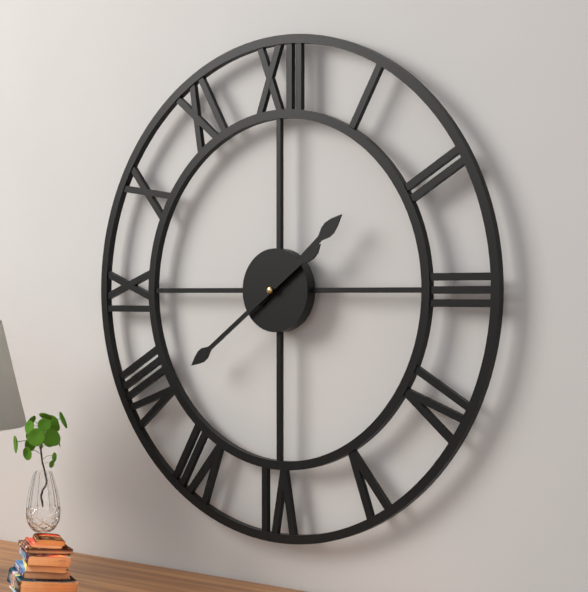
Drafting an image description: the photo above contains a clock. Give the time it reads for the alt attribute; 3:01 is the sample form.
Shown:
1:39
